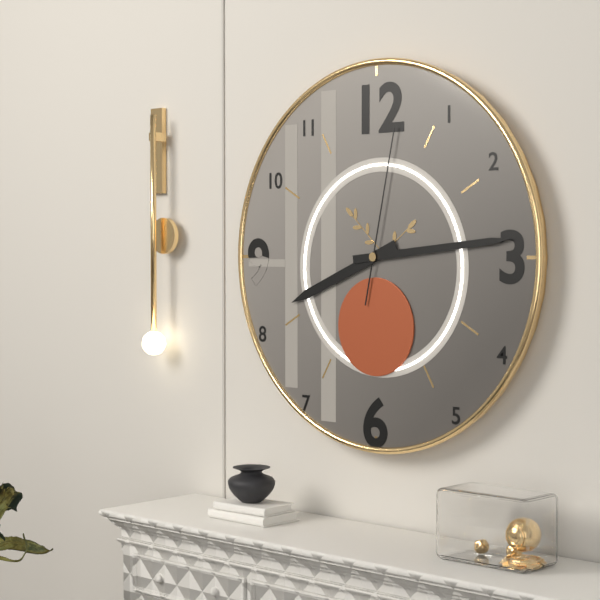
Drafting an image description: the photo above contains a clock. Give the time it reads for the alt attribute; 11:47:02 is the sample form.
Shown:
8:14:02
